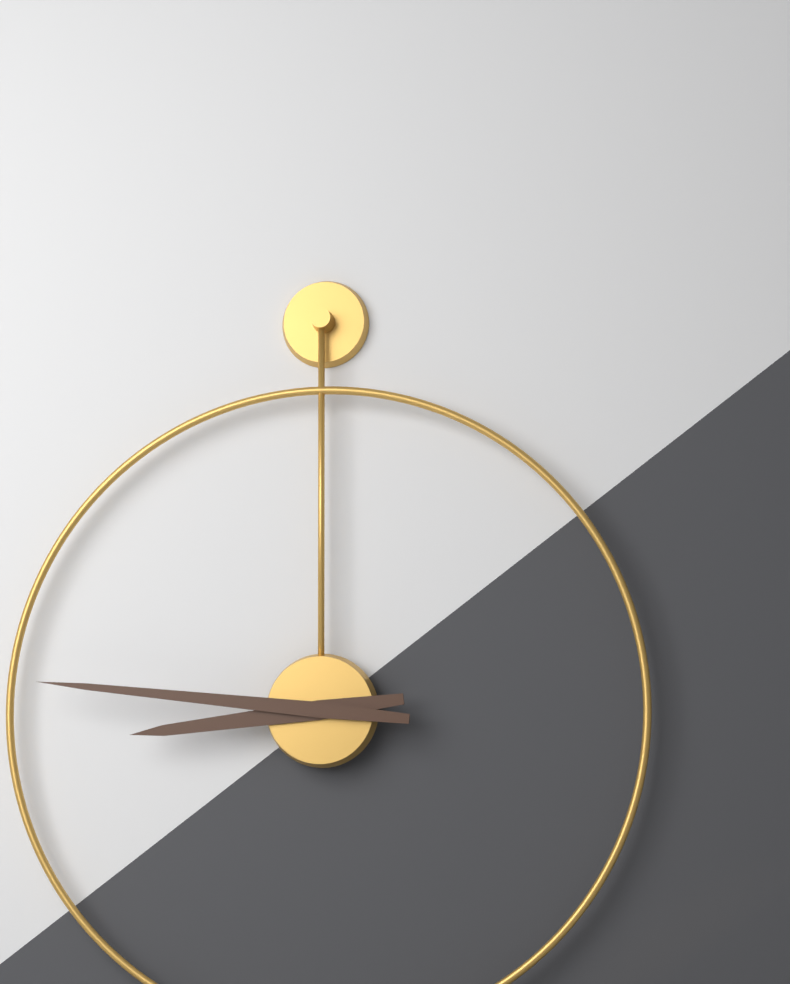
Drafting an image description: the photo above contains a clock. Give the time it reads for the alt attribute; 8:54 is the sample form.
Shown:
8:46
